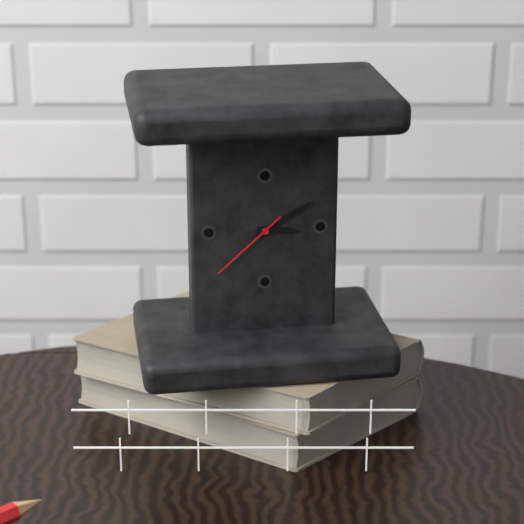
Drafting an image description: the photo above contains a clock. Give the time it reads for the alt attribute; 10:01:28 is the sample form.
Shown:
3:10:38
